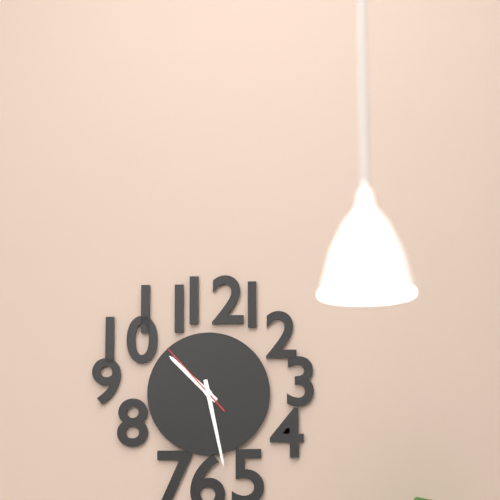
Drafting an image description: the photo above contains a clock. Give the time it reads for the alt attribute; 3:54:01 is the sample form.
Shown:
10:28:53
